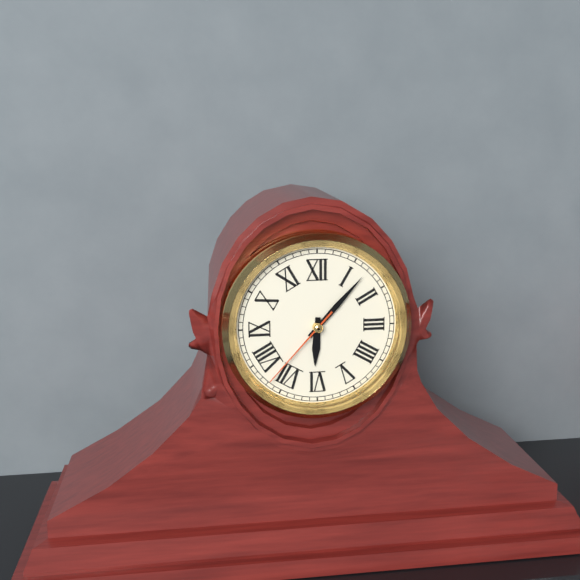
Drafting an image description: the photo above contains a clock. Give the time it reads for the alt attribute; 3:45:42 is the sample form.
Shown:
6:07:37
